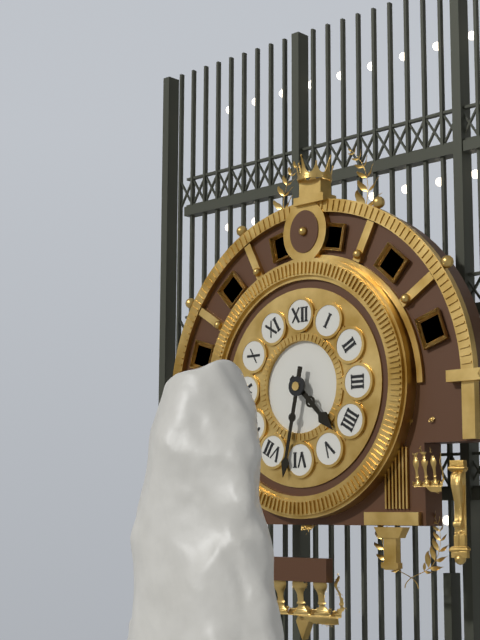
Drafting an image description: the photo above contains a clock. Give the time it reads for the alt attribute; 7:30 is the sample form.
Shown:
4:32
